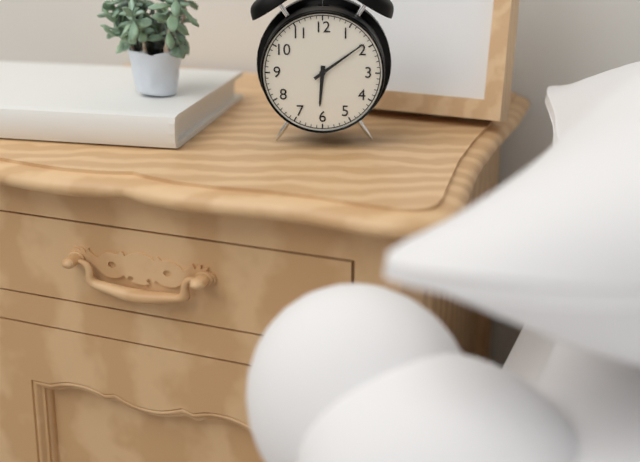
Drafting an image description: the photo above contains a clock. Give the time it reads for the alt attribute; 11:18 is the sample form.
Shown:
6:09
